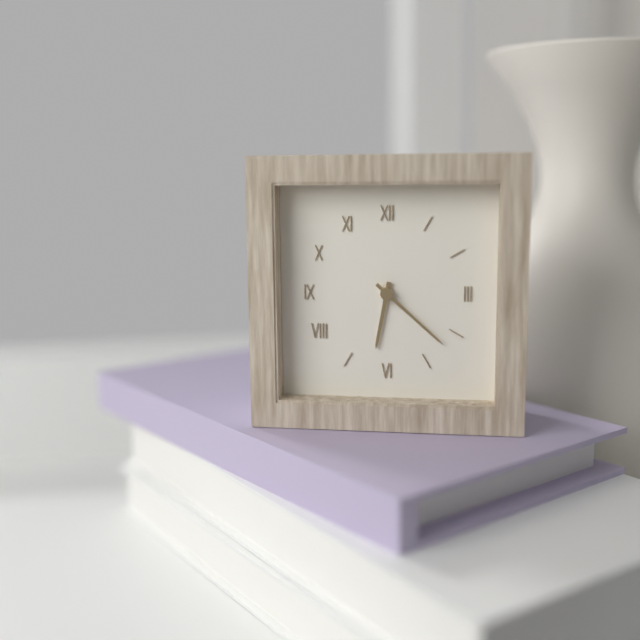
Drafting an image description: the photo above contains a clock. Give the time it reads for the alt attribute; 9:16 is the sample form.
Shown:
6:22
